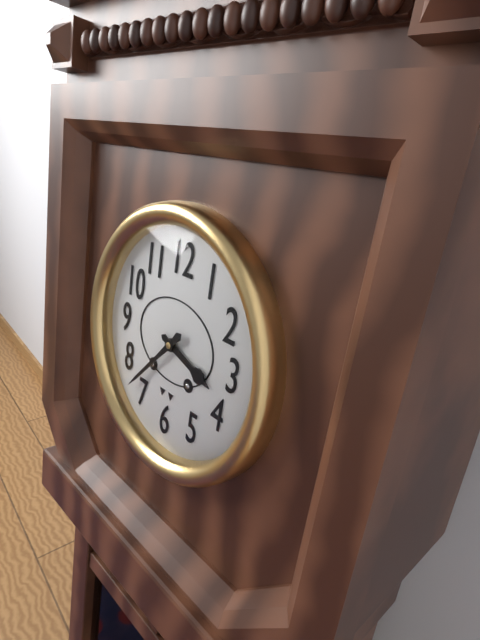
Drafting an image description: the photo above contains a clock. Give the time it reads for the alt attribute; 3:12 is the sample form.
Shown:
3:37
